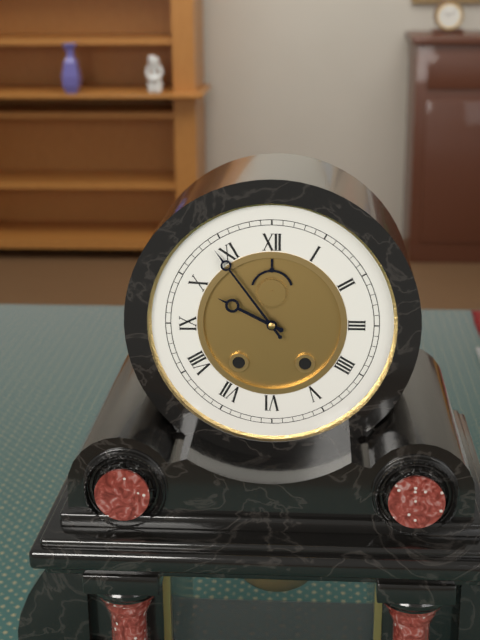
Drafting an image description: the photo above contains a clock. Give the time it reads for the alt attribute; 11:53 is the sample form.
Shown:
9:54
